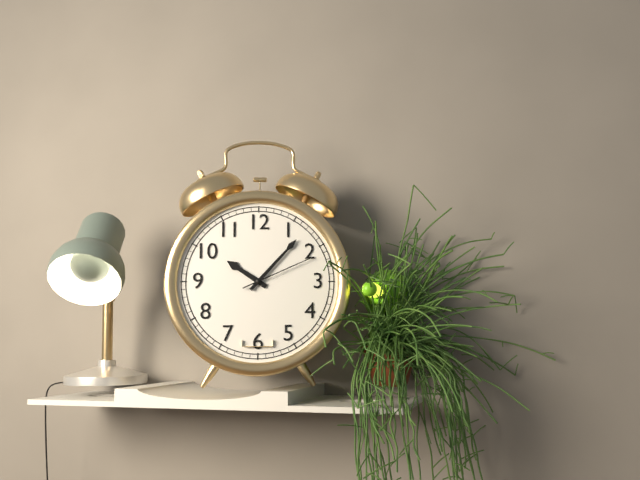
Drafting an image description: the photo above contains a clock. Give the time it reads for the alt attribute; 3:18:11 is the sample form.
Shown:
10:07:11
